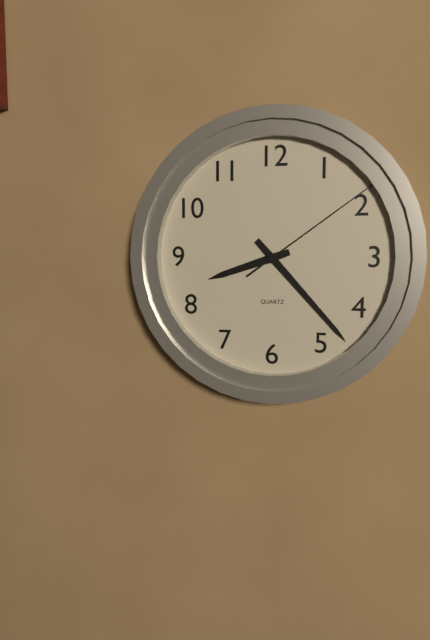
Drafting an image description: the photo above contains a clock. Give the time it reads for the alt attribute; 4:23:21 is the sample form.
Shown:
8:23:09
